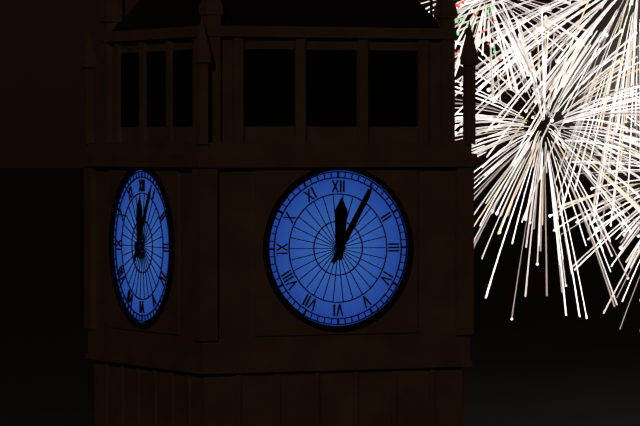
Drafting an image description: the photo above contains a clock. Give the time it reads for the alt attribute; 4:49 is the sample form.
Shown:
12:05
